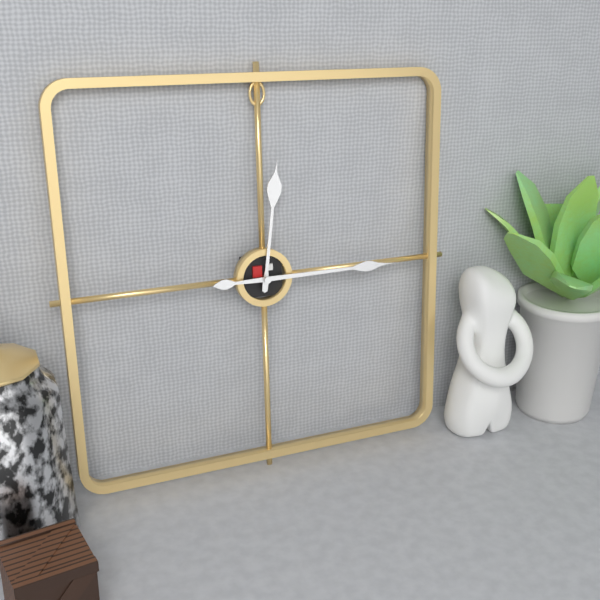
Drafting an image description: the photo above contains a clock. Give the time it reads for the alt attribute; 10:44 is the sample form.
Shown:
12:15
